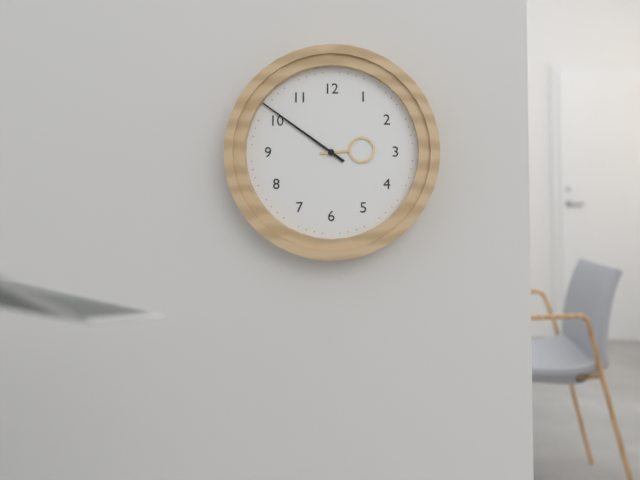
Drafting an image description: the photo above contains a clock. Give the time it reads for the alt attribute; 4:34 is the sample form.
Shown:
2:51
